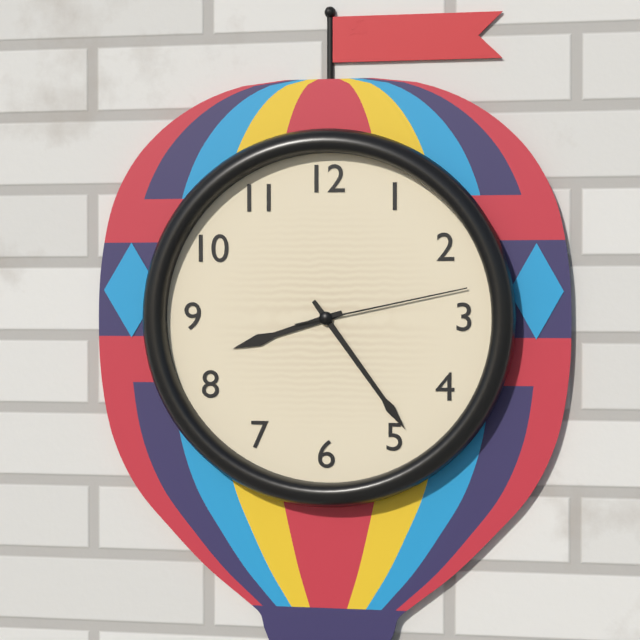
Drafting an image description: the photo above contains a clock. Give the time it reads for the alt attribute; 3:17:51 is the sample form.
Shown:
8:24:13
